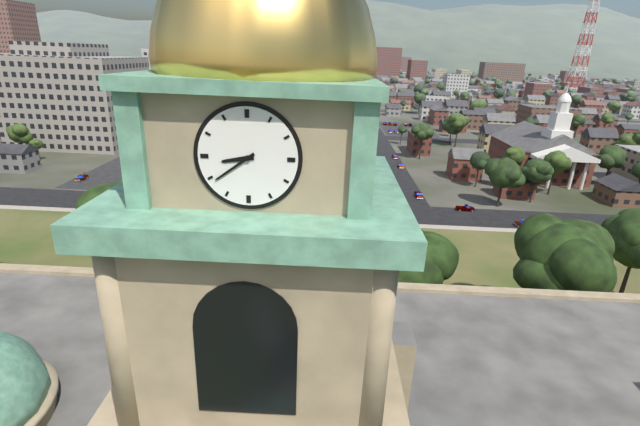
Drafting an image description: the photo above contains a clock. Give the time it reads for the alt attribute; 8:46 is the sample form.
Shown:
8:39
